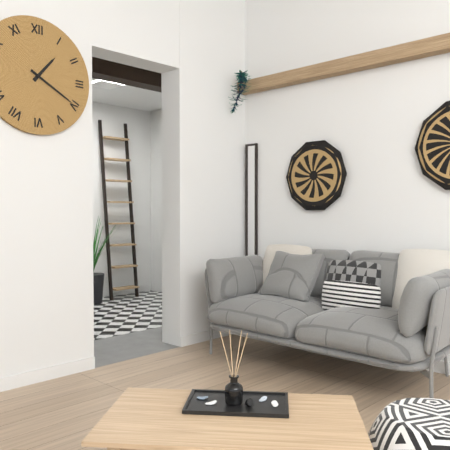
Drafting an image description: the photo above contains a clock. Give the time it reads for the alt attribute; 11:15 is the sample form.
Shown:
1:20
